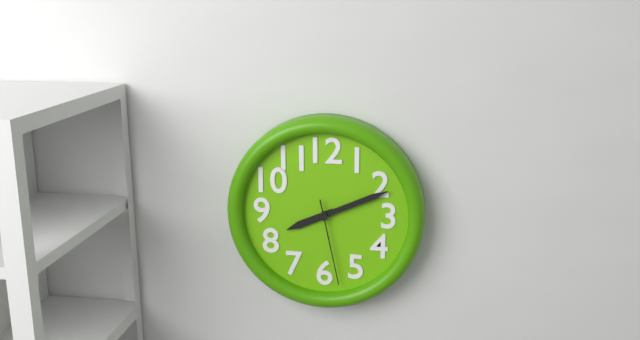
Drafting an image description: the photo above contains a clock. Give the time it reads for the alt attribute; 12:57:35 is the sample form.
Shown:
8:11:28
